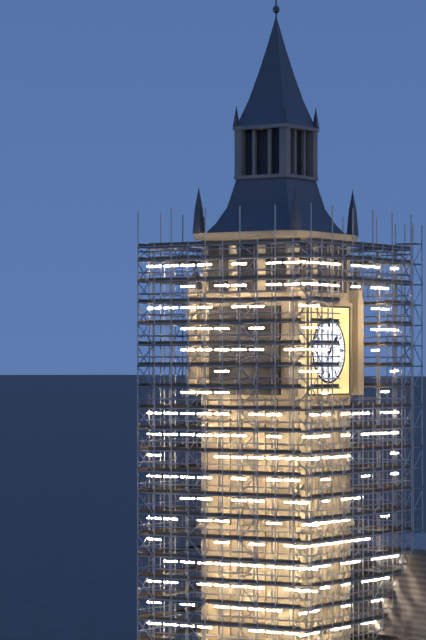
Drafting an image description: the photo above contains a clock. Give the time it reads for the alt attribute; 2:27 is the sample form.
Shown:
1:36
